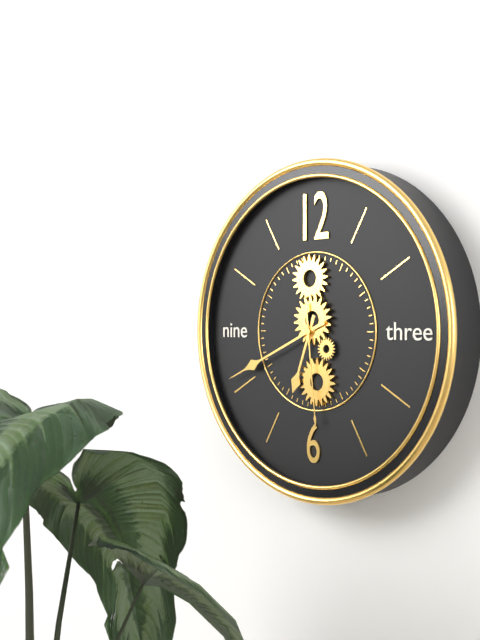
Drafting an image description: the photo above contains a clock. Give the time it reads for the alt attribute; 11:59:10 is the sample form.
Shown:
6:41:29
